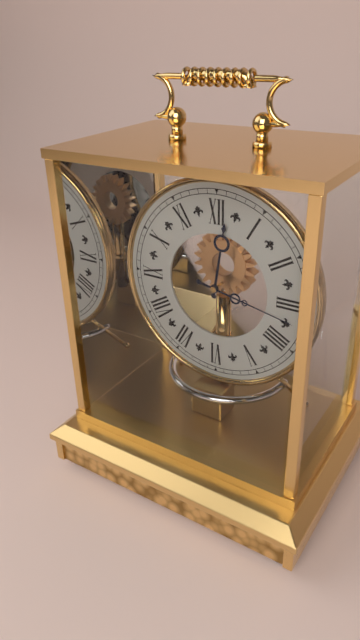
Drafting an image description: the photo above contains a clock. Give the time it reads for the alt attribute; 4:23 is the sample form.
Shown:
12:17
